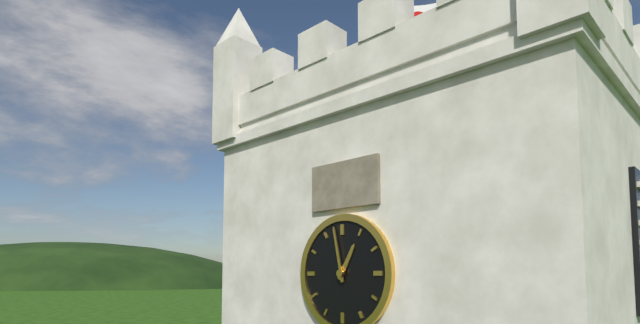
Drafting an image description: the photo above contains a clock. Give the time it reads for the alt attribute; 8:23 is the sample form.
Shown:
12:58
